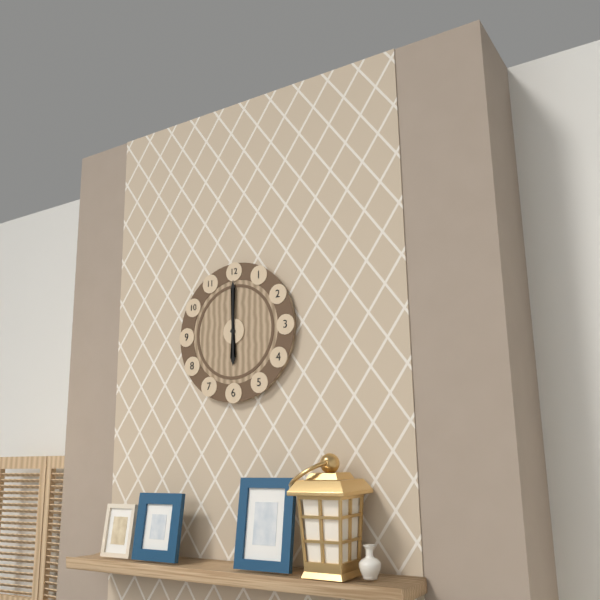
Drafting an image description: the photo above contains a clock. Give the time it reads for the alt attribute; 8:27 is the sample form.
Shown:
6:00
